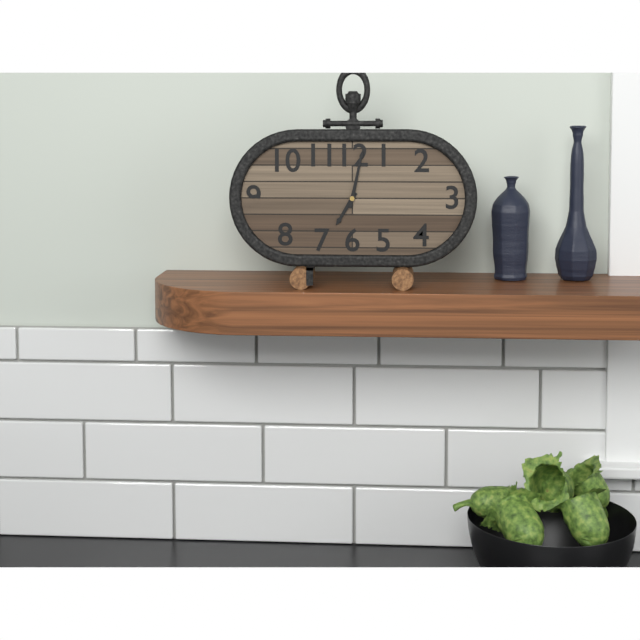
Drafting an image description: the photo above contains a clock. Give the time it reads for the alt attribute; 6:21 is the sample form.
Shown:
7:02
